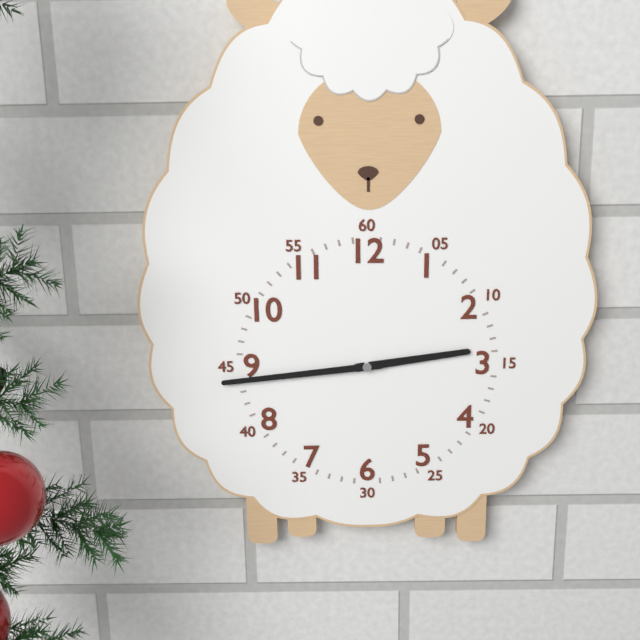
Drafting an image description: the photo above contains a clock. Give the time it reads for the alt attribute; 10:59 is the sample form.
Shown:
2:44
